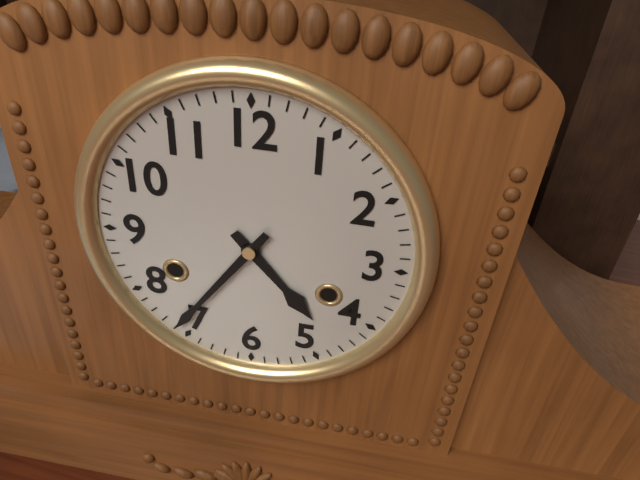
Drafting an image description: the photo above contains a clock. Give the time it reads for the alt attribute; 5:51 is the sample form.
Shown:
4:36
